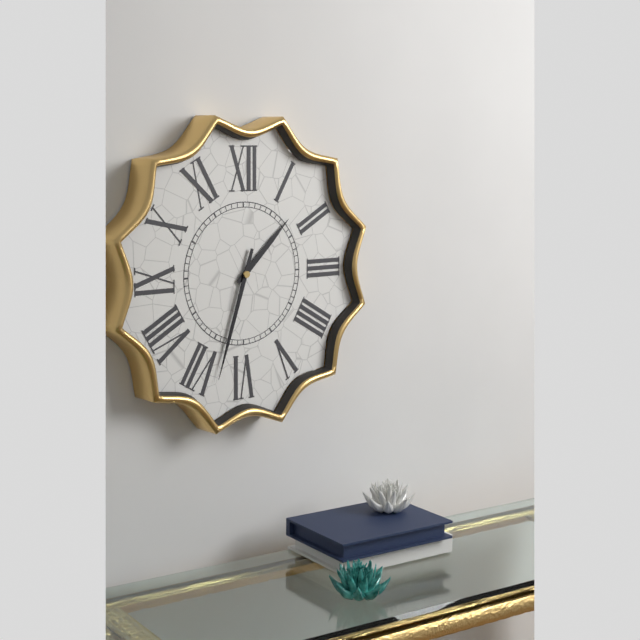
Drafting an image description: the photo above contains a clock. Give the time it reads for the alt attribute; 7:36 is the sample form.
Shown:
1:33
